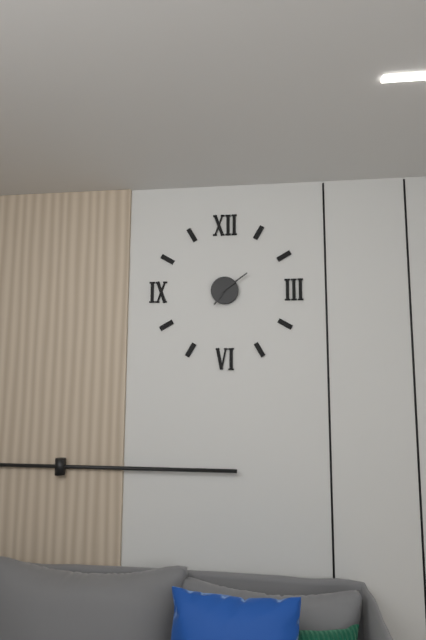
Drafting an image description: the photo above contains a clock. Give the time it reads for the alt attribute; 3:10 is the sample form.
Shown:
7:09
